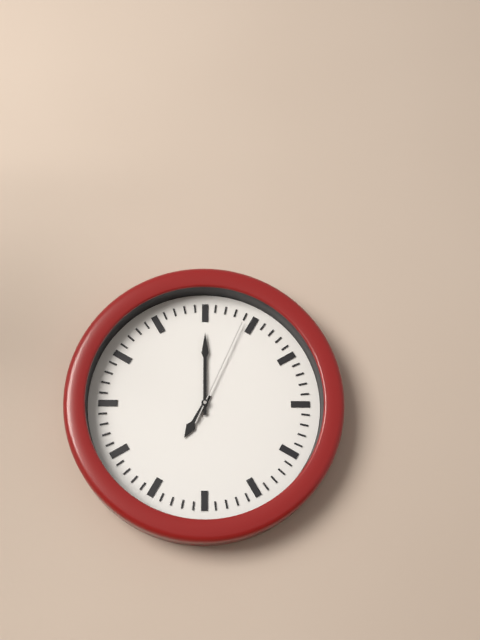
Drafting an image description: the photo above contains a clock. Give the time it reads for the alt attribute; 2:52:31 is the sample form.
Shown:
7:00:04
